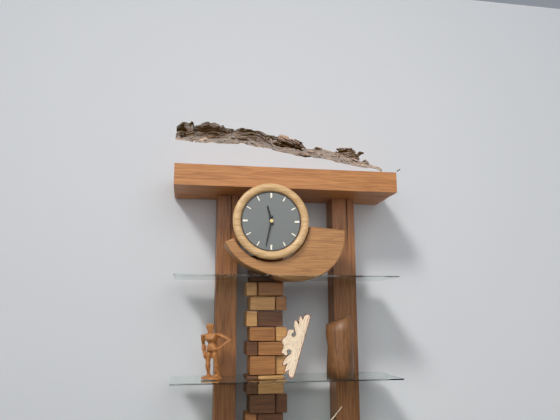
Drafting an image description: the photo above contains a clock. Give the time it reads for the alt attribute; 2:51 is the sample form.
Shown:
11:32
